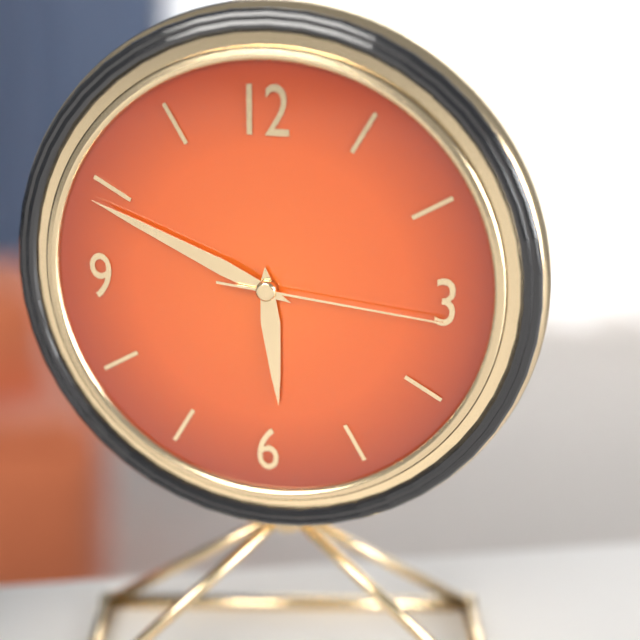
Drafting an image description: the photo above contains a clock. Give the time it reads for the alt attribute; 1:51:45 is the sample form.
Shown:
5:49:16
